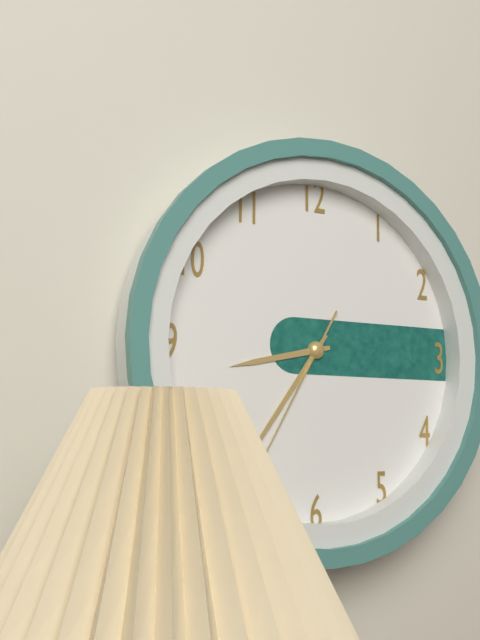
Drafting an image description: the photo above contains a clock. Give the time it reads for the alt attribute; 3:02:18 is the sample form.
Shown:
8:36:35
